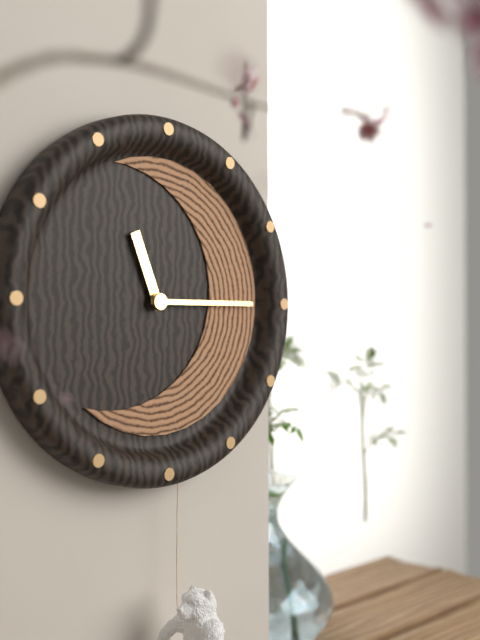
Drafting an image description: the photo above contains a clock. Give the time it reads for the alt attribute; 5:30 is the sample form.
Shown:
11:15
